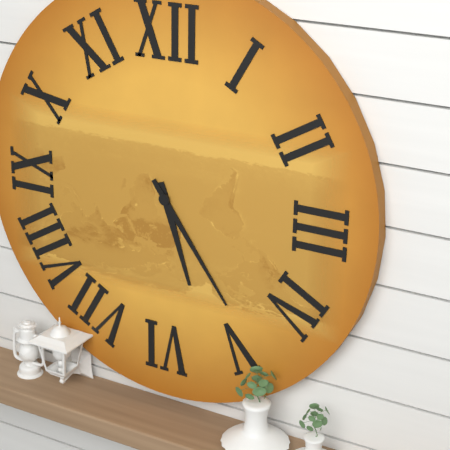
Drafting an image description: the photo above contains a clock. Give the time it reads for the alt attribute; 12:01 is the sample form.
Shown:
5:24
